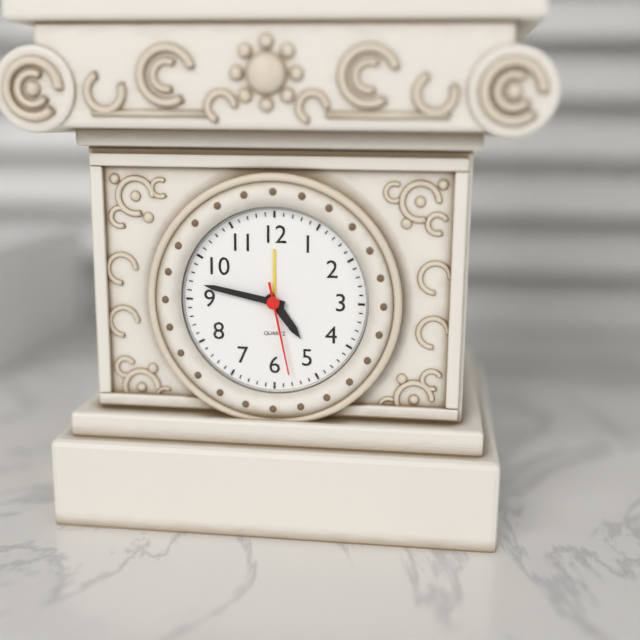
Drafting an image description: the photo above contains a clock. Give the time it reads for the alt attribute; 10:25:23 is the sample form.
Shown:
4:47:28
